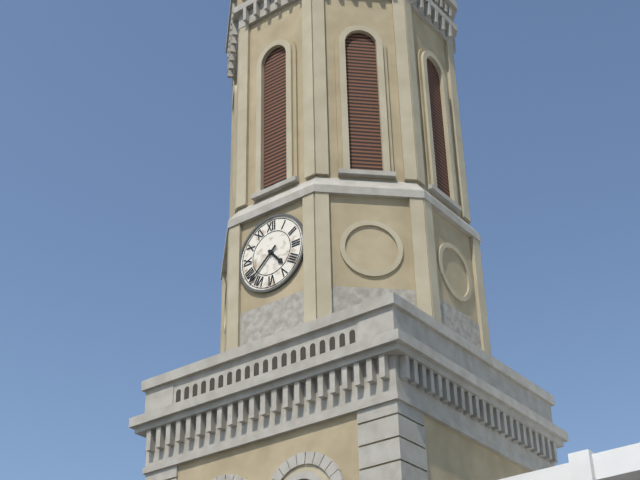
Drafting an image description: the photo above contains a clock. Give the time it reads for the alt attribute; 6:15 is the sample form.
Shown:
4:38
